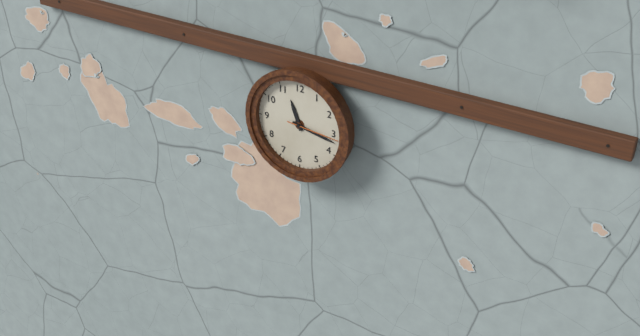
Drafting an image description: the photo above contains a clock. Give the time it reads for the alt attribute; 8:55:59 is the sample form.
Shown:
11:17:16
